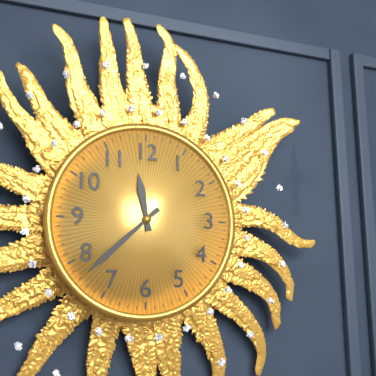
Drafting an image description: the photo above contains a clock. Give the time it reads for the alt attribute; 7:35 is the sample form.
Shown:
11:38
